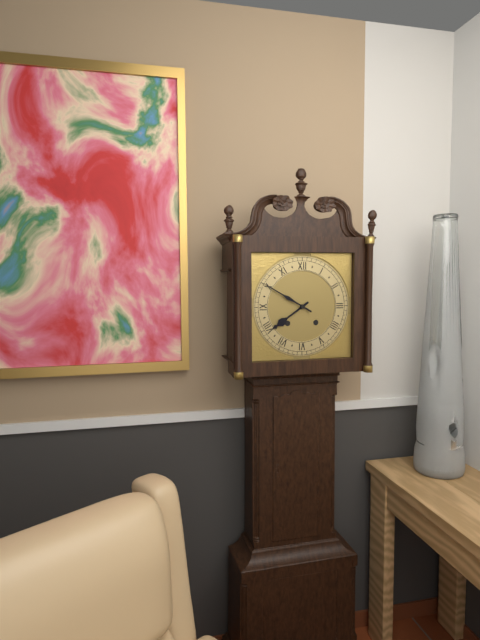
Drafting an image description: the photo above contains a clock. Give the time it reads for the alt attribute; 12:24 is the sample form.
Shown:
7:50
